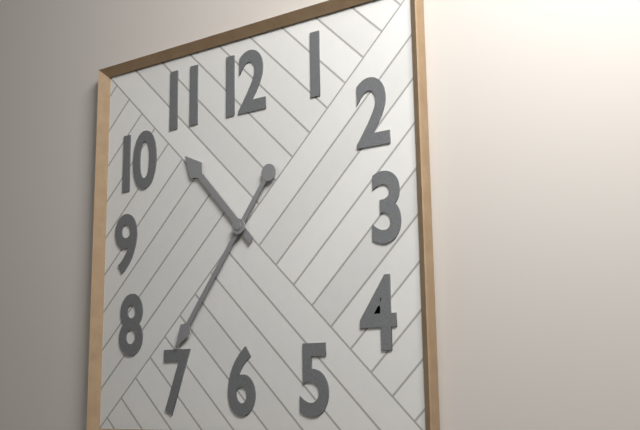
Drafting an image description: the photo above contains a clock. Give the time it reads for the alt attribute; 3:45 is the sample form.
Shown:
10:36
